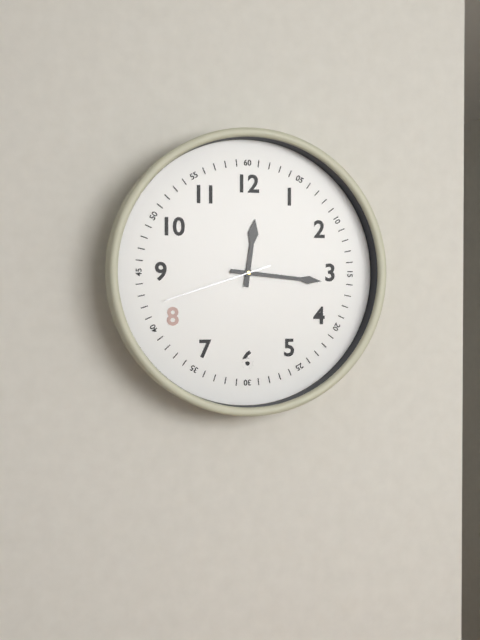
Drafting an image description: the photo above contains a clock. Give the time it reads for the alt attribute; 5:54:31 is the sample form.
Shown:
12:16:42
